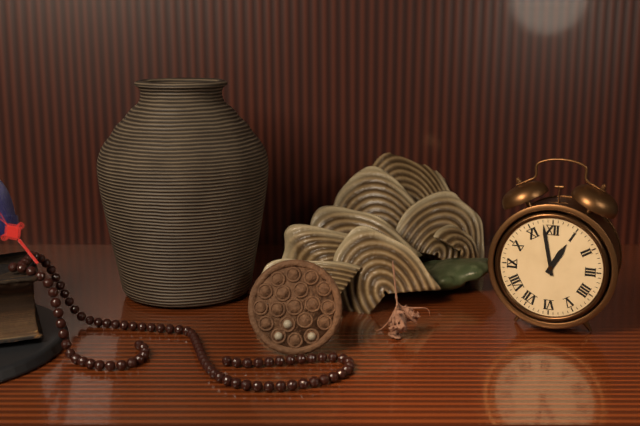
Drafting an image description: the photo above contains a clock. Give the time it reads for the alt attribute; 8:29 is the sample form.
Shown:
12:58
